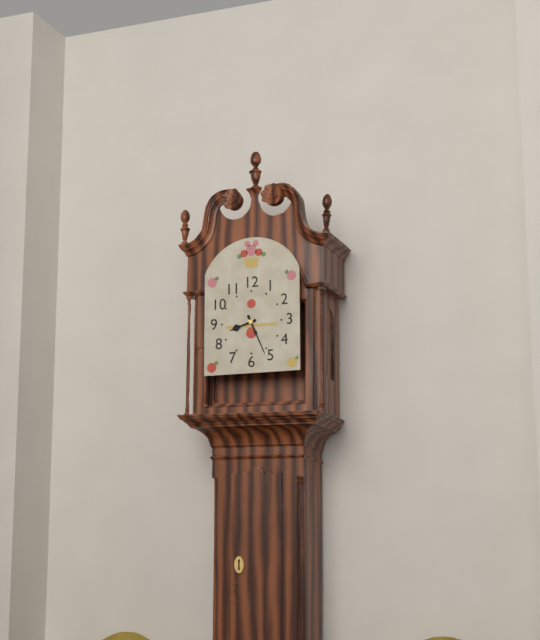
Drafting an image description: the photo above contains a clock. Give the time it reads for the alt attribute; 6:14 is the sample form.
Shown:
8:26
